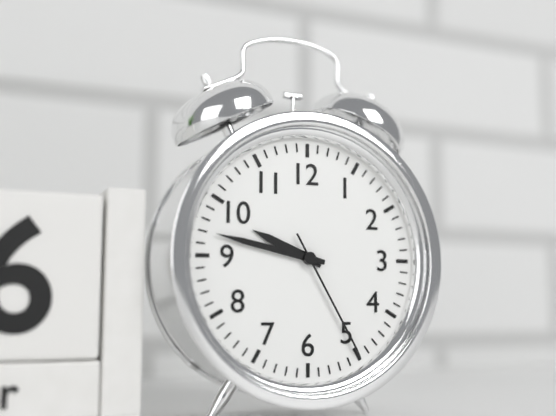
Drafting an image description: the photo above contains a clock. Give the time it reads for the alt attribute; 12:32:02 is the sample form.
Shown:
9:47:25
